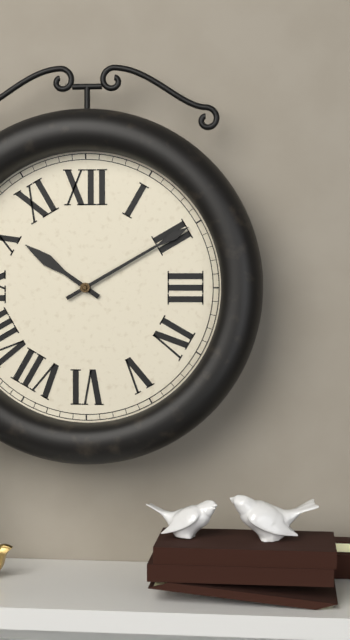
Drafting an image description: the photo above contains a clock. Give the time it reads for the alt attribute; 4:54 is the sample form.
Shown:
10:10
